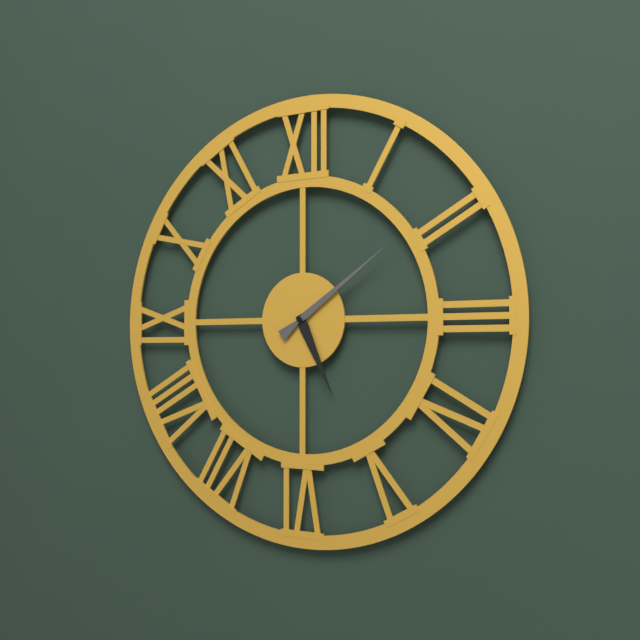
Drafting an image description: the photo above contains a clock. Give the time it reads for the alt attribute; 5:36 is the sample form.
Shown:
5:09
